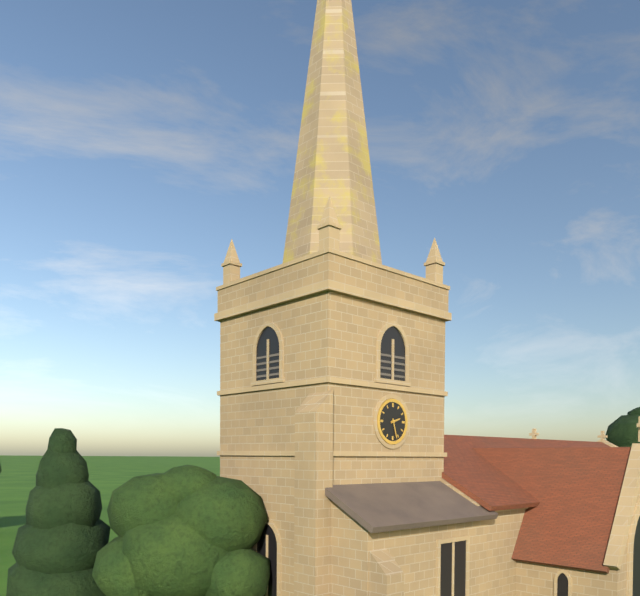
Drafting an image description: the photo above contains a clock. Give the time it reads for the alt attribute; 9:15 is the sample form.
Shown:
2:27
